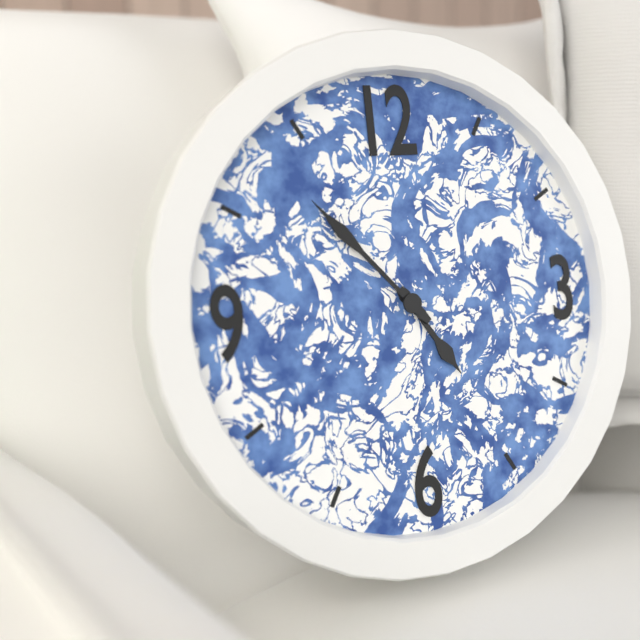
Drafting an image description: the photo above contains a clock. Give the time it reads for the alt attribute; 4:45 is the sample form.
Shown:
4:53
